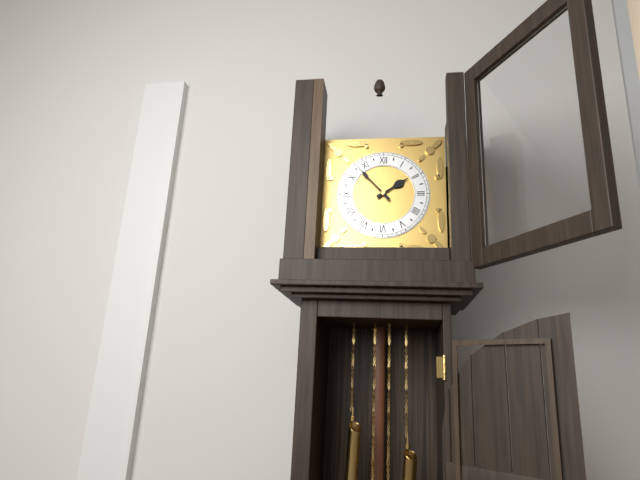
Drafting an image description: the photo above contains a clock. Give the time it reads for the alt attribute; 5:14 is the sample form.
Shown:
1:53
